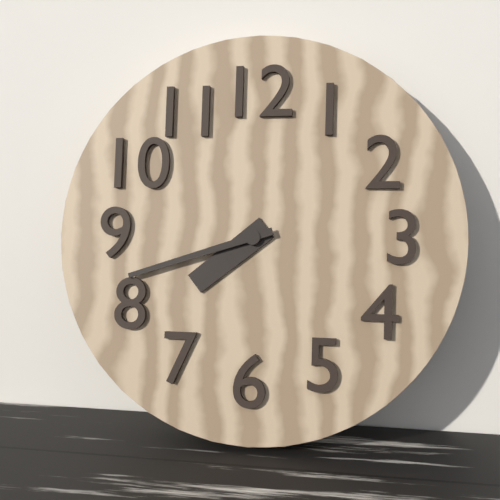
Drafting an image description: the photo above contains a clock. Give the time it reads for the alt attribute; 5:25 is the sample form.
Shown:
7:42
